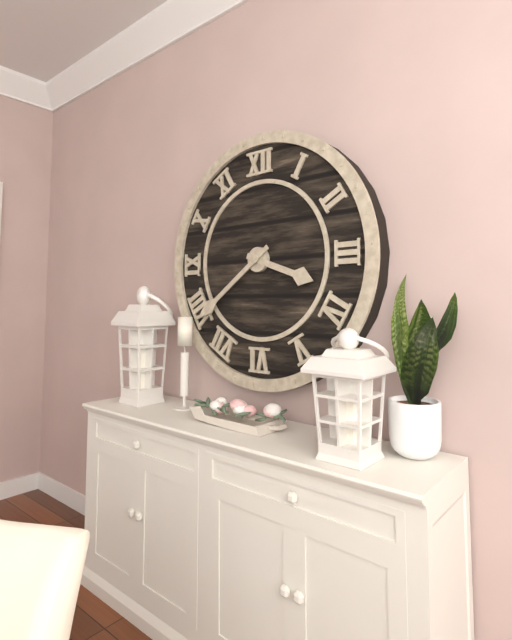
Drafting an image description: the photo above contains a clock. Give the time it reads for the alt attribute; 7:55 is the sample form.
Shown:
3:39
